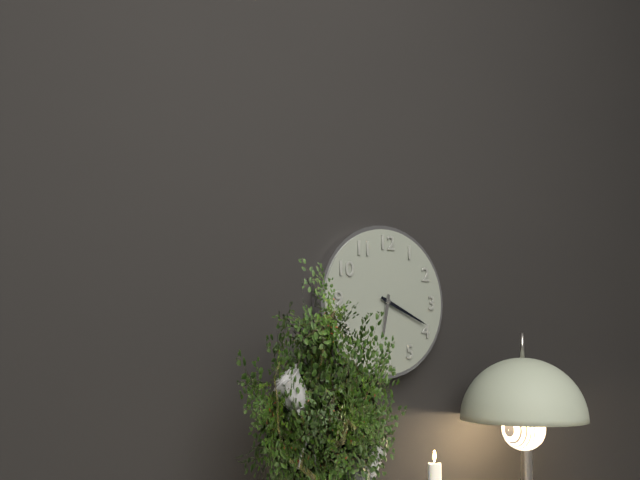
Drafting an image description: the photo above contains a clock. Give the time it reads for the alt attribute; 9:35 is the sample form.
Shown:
6:19
